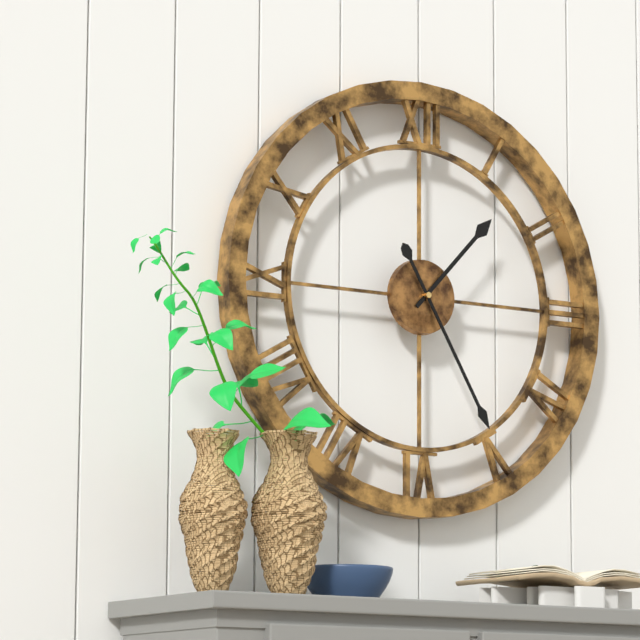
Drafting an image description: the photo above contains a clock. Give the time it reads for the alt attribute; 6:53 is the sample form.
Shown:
1:25
